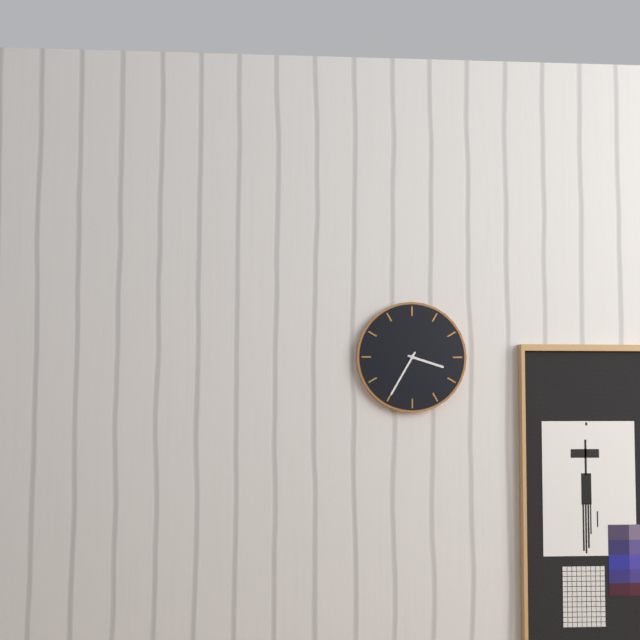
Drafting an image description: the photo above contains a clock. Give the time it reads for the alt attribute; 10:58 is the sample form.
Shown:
3:35
